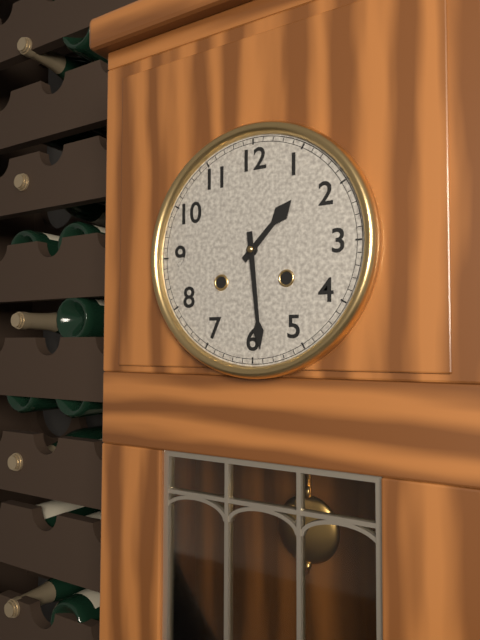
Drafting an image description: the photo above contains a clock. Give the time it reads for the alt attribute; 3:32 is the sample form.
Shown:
1:29
